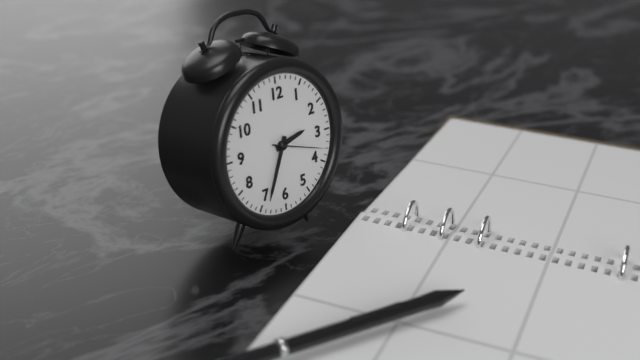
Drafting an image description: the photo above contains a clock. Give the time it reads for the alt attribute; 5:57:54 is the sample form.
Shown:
2:34:18
